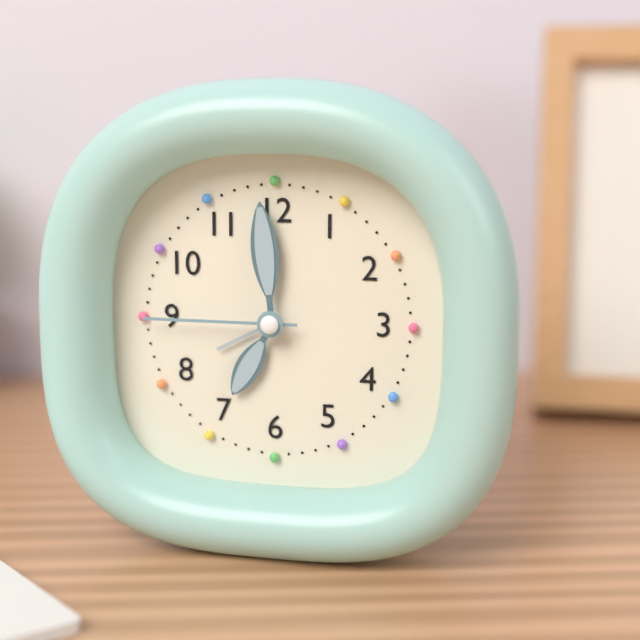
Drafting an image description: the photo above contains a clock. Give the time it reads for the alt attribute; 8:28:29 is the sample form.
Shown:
6:59:45
